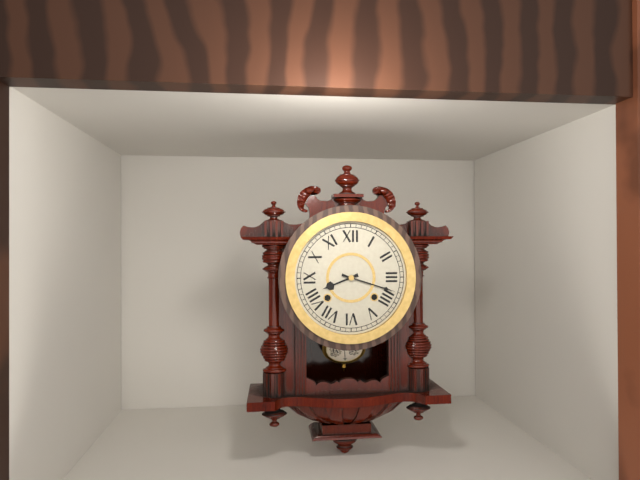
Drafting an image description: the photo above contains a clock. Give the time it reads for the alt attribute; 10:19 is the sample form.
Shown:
8:18
